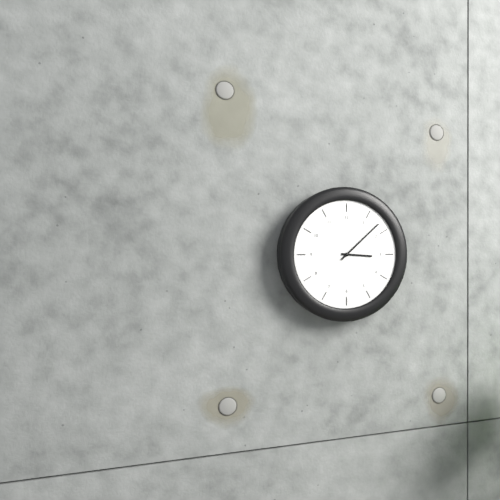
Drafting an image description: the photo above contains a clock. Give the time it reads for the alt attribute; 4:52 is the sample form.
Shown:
3:08
